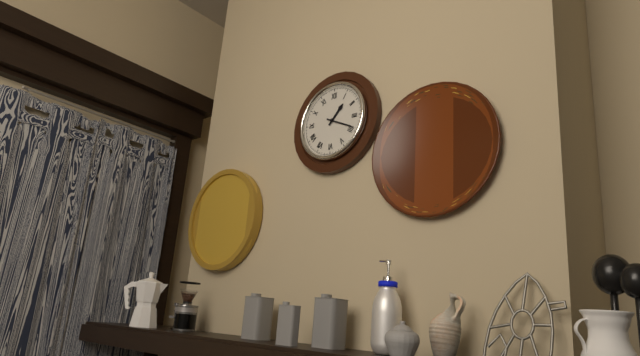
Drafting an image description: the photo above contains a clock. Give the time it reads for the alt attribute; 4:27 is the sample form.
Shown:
1:19
